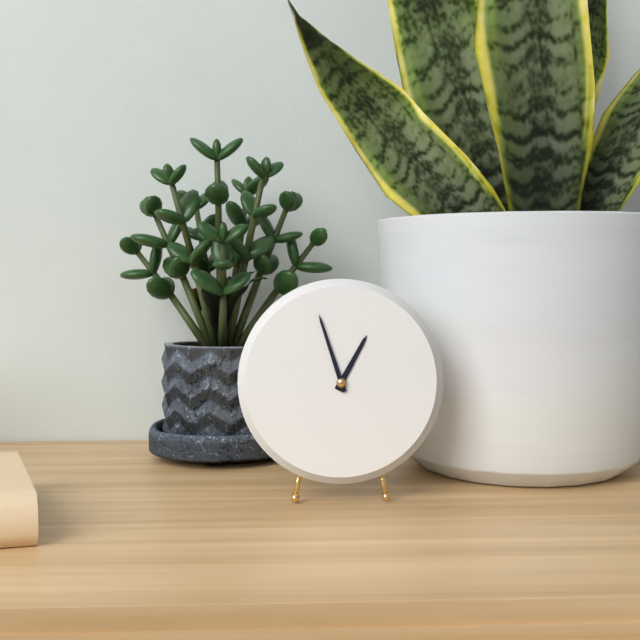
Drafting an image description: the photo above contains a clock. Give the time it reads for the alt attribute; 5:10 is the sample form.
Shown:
12:57
